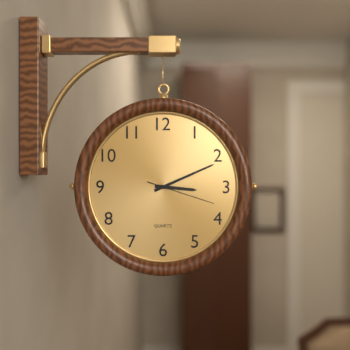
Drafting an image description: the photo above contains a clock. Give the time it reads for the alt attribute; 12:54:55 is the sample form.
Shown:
3:11:18
